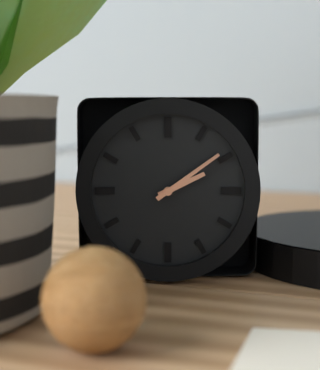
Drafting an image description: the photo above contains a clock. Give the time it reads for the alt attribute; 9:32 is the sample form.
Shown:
2:09
